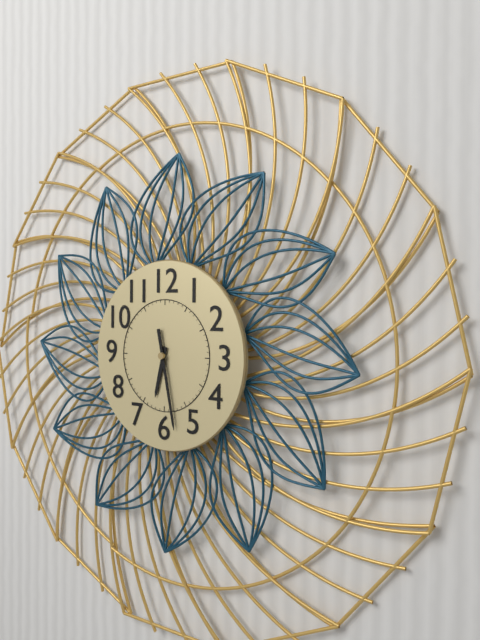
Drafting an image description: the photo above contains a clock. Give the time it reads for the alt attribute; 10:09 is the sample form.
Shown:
6:28
